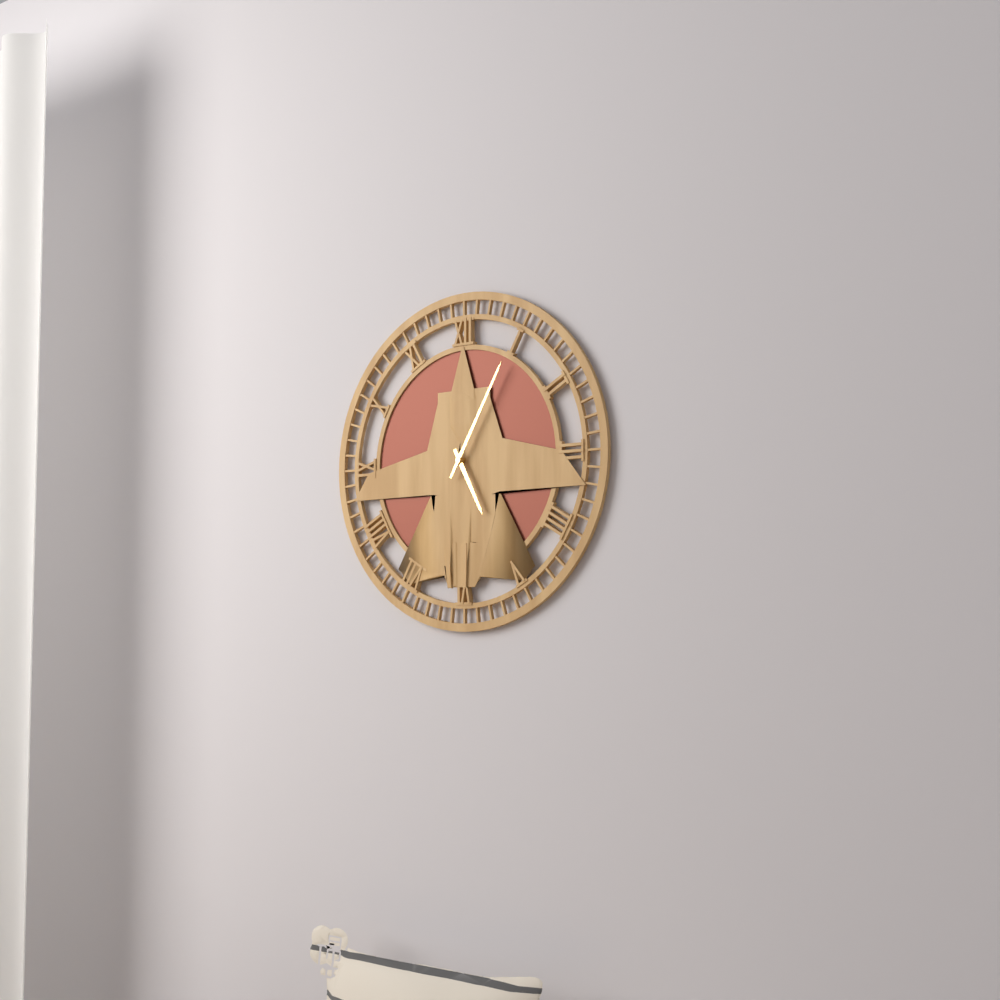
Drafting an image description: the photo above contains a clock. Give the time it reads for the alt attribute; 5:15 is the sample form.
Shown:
5:05
